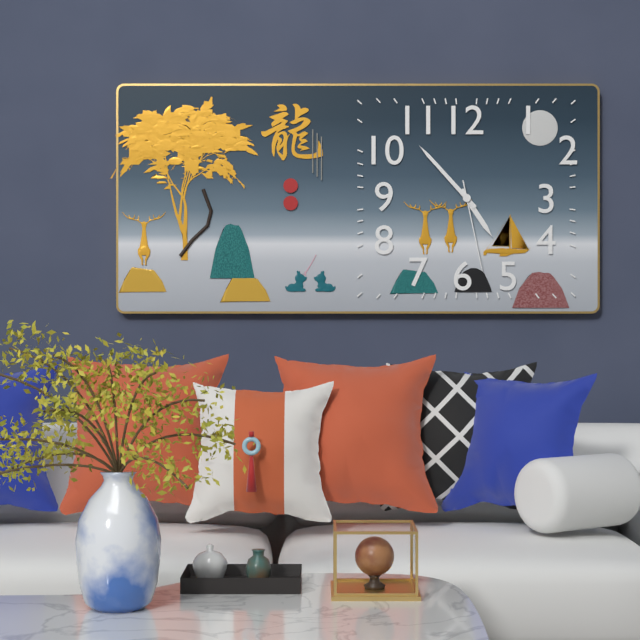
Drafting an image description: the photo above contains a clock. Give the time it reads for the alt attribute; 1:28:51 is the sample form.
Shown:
4:53:28
